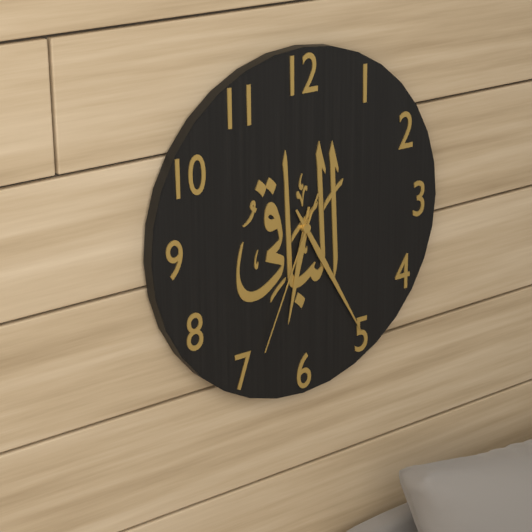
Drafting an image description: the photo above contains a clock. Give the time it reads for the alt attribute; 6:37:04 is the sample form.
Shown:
6:25:34
